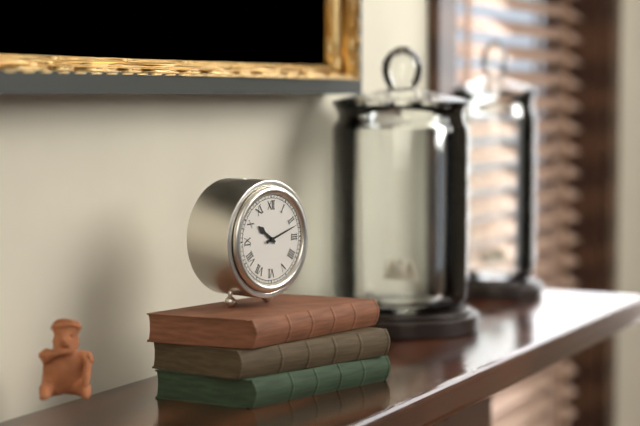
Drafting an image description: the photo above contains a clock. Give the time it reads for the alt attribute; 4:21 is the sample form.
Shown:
10:12
